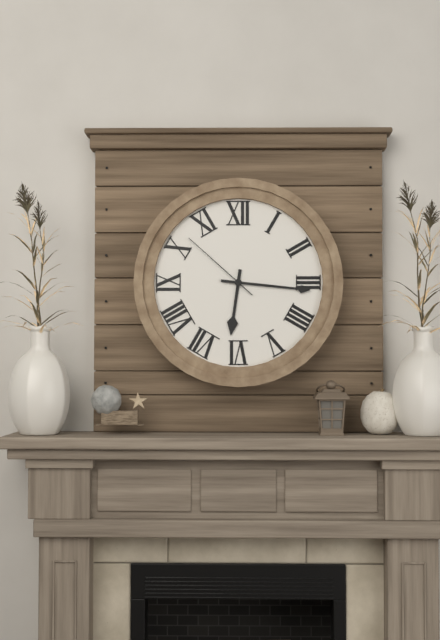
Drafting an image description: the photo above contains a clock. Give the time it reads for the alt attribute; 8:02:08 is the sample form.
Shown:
6:16:52
